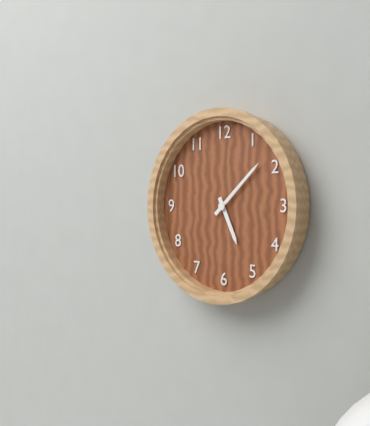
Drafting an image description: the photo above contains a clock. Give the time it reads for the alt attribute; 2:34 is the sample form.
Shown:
5:08
